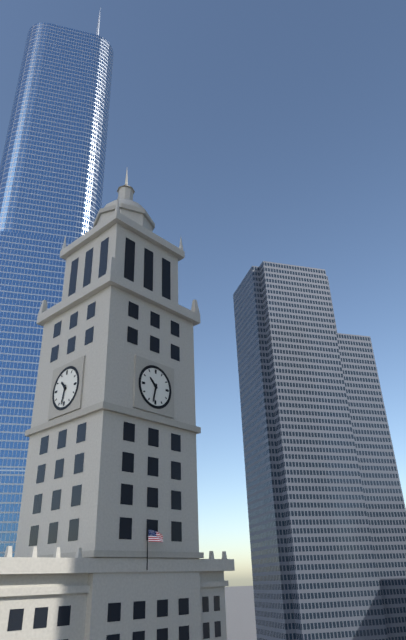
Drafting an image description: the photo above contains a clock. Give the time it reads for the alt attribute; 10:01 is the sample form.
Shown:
10:32
